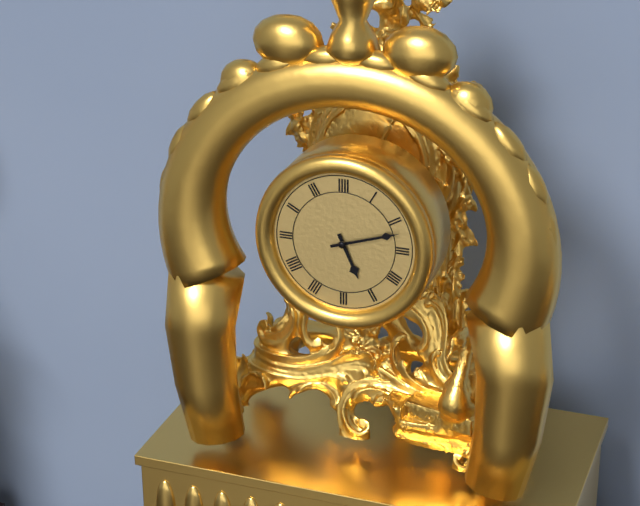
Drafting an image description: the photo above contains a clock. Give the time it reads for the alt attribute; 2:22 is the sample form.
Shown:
5:12
